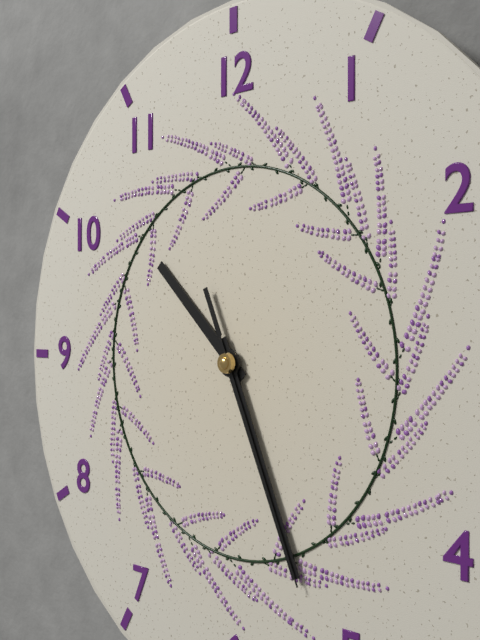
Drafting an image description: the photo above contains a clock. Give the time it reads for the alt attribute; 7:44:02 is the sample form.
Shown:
10:26:26
